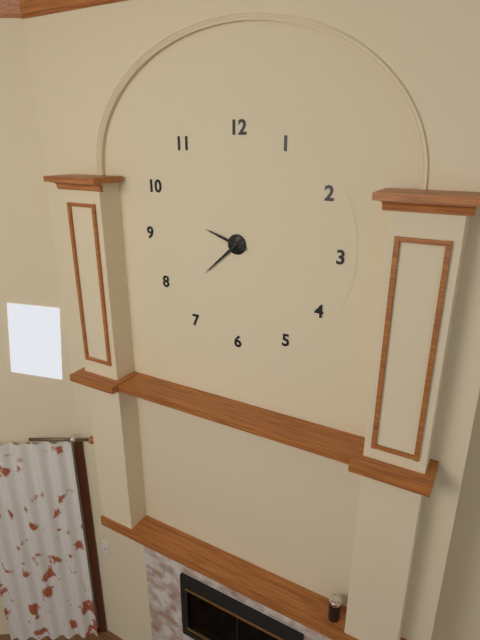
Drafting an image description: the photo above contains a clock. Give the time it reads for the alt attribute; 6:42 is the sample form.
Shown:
9:38
